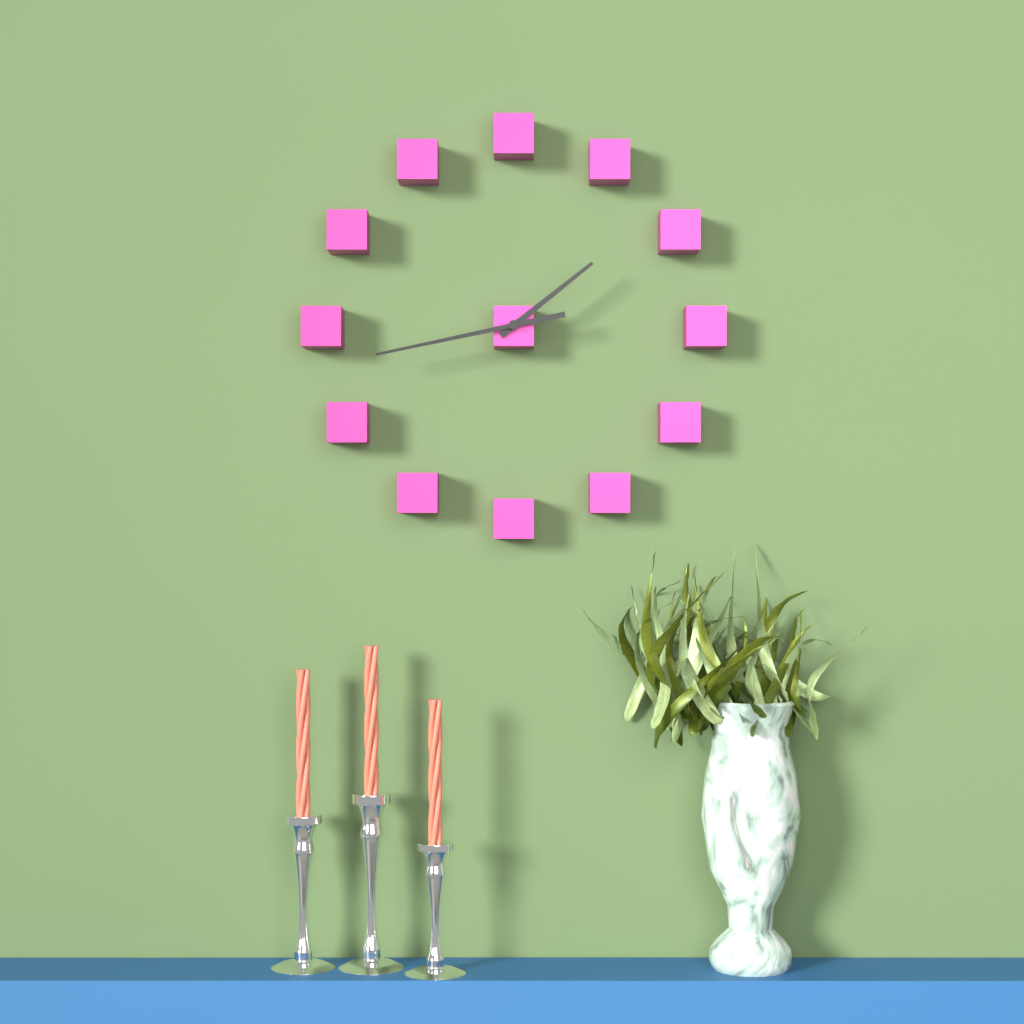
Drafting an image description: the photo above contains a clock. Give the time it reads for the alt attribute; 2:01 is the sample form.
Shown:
1:43
